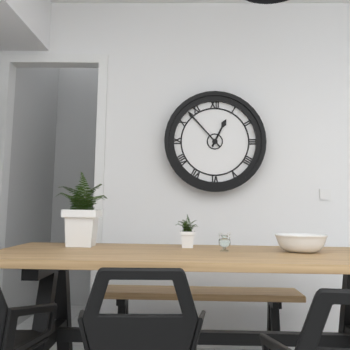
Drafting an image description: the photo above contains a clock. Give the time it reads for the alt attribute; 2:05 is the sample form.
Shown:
12:53
